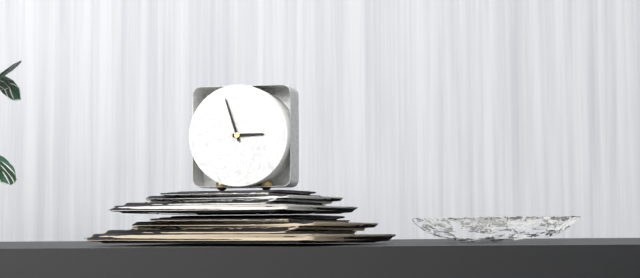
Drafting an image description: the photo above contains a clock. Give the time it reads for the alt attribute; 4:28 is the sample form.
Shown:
2:57
